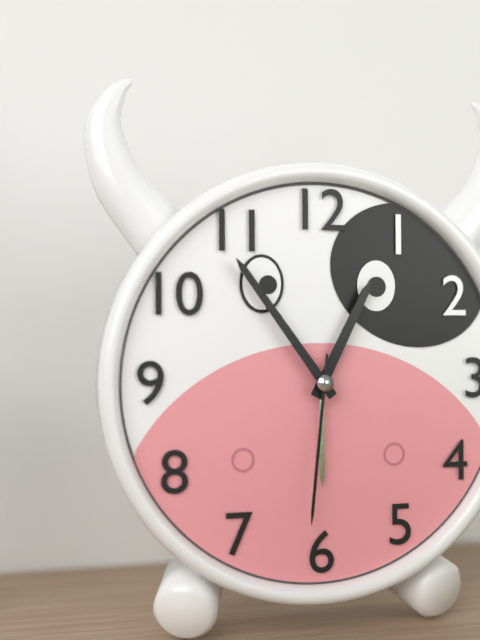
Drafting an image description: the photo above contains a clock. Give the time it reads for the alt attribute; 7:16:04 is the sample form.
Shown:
12:54:31
